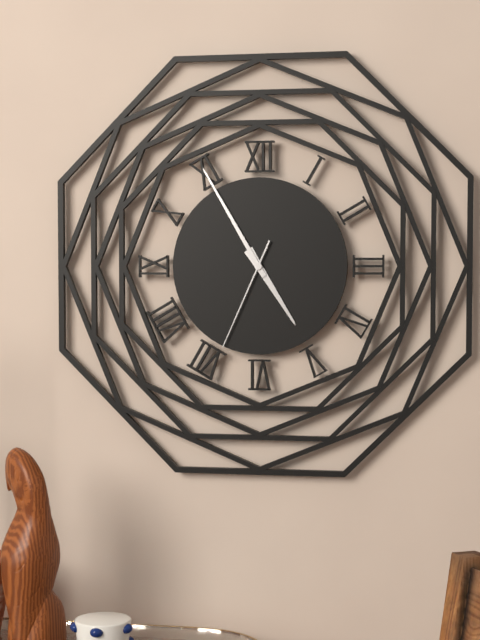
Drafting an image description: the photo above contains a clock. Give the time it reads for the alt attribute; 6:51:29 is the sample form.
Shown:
4:55:34
